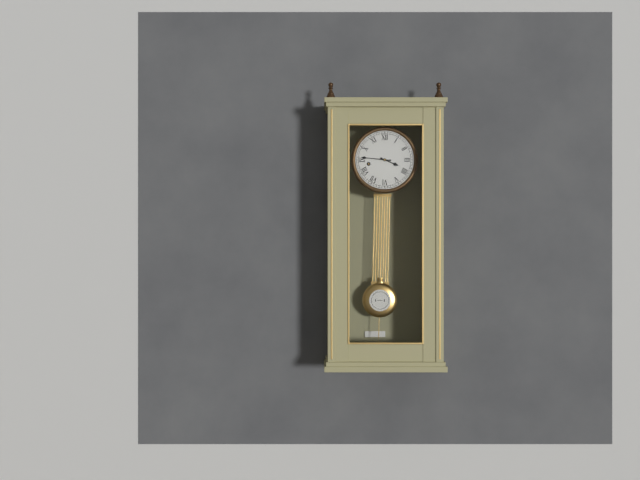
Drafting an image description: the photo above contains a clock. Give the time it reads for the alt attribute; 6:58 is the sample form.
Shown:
3:46
